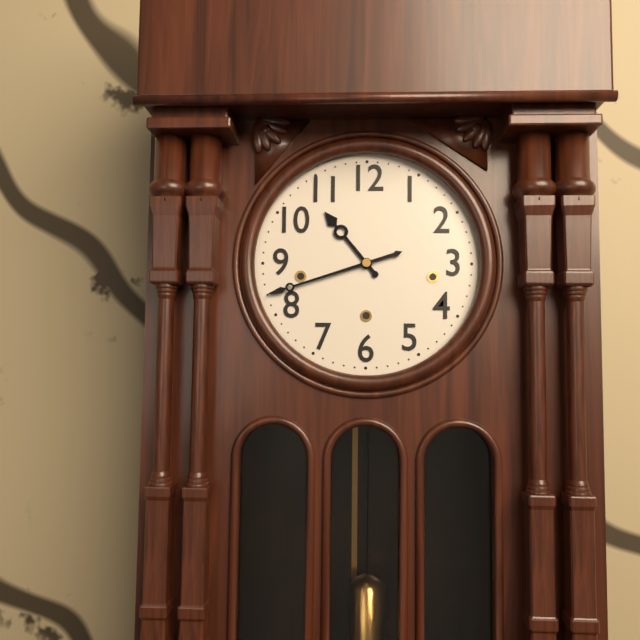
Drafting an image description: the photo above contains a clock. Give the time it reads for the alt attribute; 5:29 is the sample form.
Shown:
10:42
